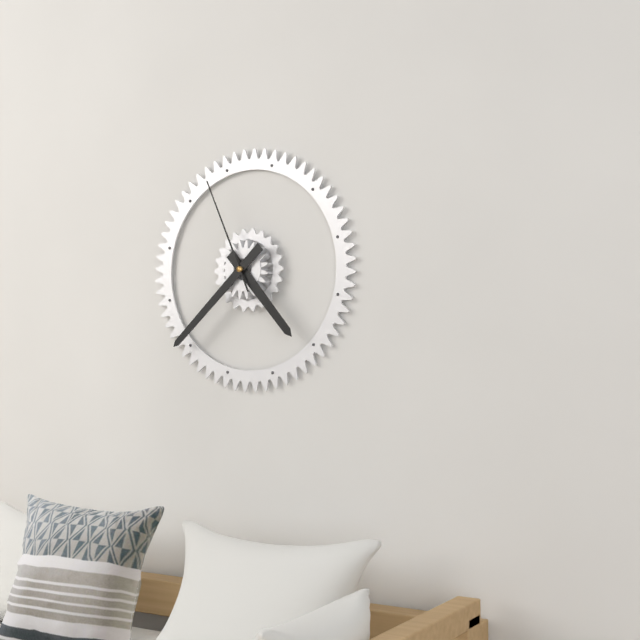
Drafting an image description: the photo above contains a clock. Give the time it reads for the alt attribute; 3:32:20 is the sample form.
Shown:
4:38:56
